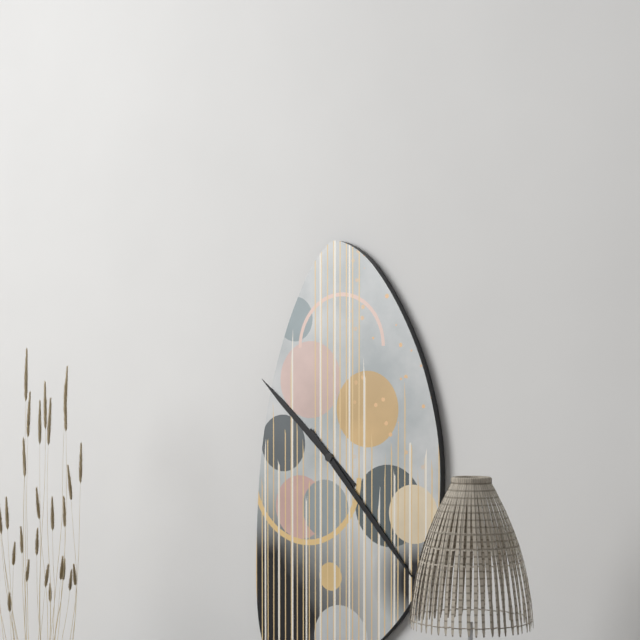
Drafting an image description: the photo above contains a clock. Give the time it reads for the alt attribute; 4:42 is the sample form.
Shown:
10:23
